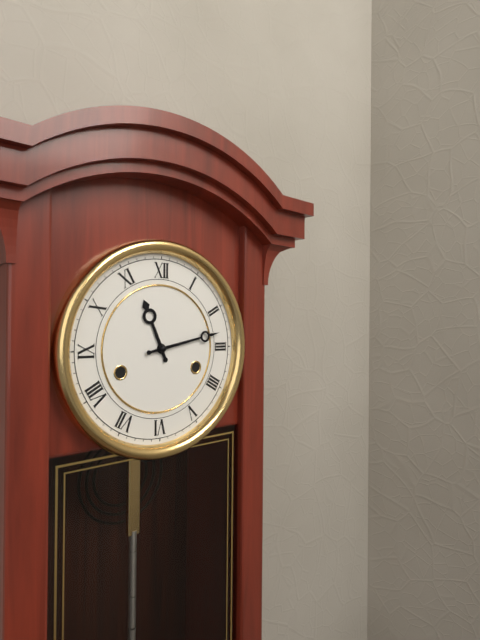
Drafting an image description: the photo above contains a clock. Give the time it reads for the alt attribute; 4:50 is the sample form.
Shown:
11:13
